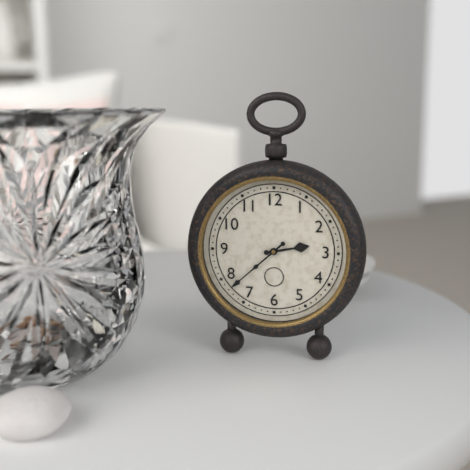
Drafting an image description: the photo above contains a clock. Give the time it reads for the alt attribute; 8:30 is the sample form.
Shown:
2:38
